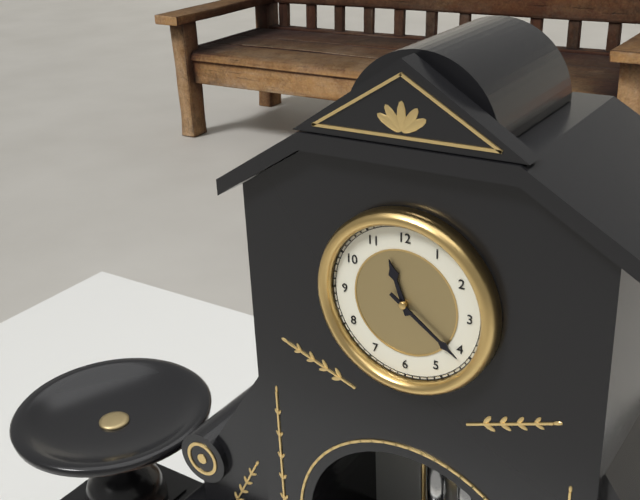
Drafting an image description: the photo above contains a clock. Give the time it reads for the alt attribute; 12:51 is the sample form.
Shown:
11:21
